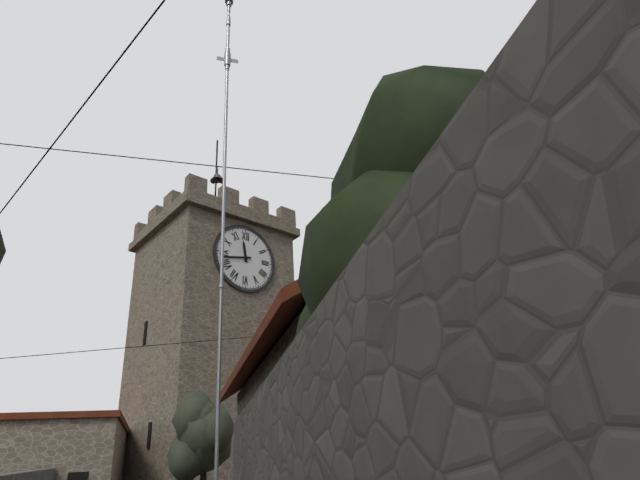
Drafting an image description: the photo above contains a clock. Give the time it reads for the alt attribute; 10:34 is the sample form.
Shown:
11:43
